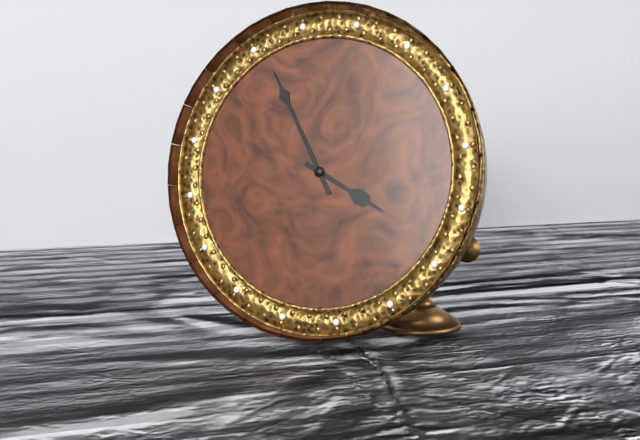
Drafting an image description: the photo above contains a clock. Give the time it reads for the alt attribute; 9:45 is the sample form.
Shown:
3:55
